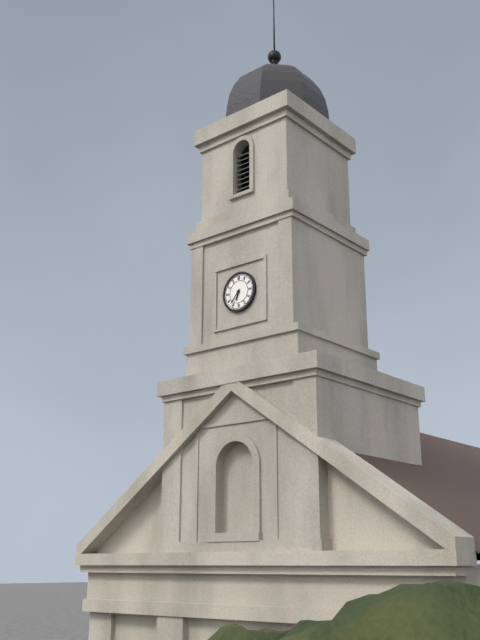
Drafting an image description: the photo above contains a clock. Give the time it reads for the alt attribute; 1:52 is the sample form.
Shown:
6:37
